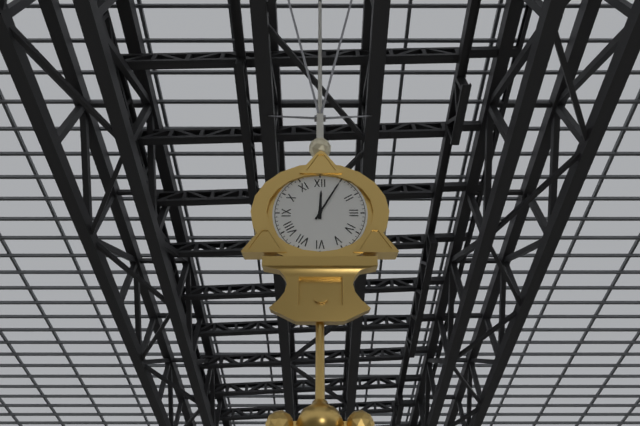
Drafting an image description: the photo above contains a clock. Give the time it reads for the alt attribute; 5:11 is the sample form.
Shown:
12:05
